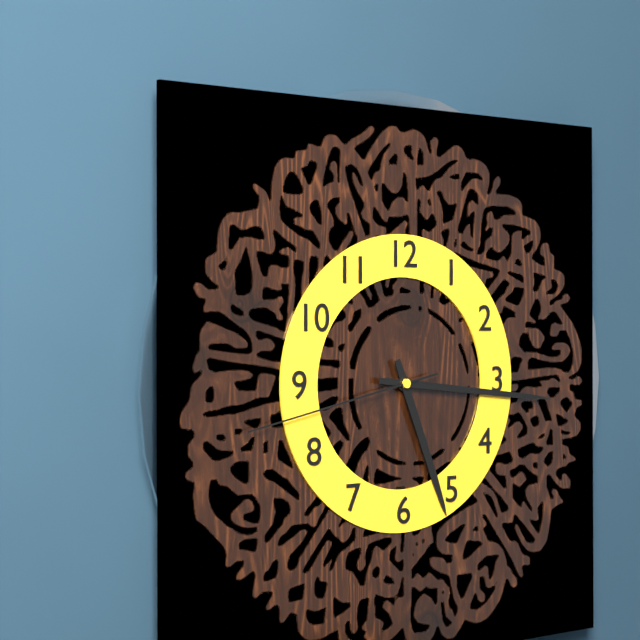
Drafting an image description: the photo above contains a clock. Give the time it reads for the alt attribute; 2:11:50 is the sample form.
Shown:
5:16:43
